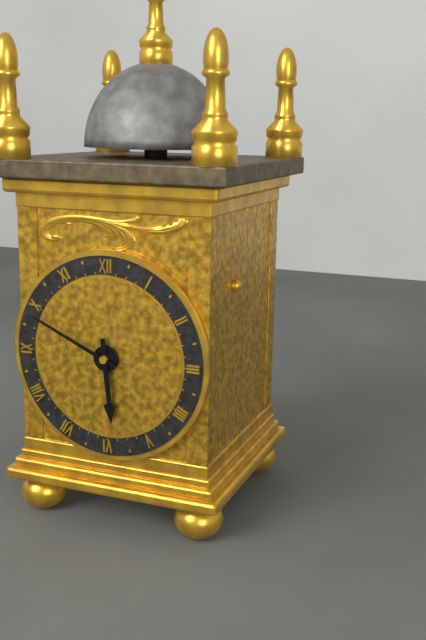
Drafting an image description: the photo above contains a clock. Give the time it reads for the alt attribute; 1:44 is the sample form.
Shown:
5:49
